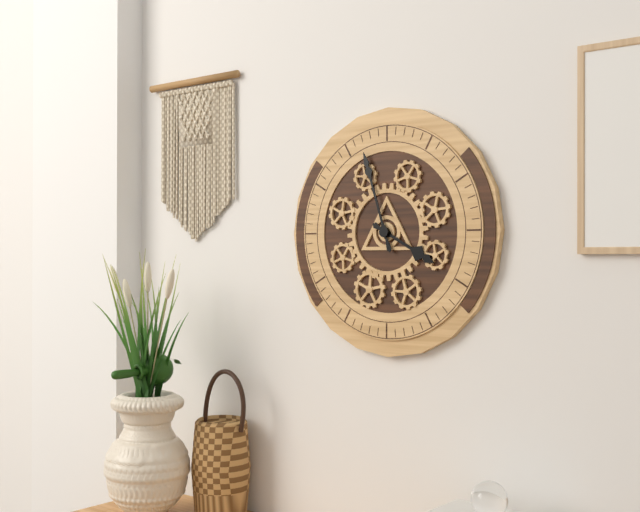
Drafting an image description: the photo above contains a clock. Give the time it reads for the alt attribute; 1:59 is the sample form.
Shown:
3:57
